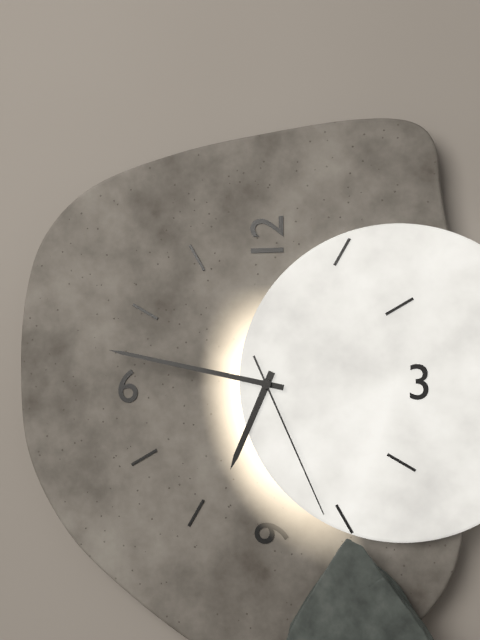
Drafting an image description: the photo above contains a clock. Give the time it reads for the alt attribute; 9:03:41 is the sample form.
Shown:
6:47:26
